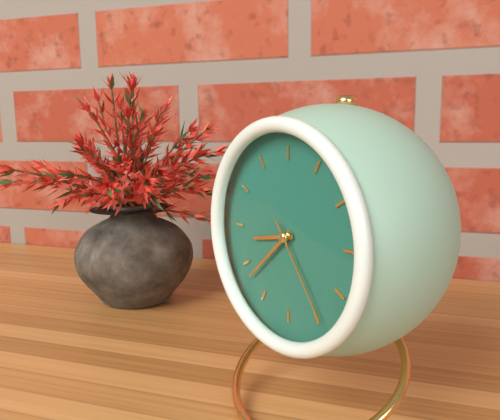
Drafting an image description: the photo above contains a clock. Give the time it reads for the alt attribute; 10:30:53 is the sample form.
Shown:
8:38:24
